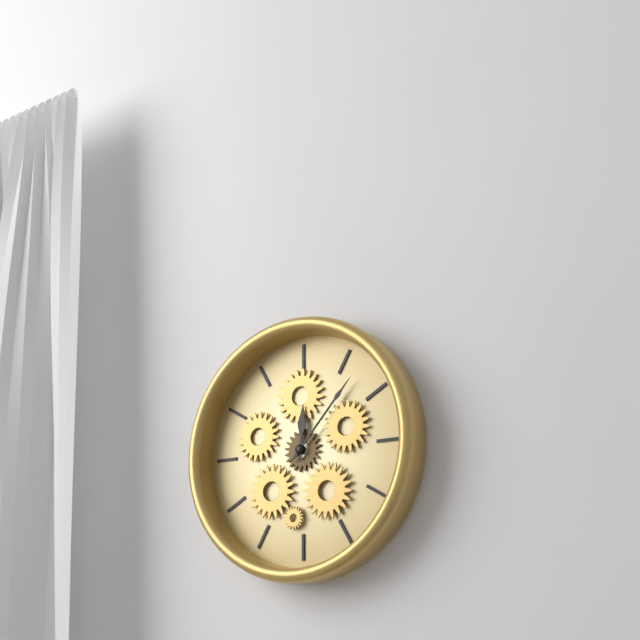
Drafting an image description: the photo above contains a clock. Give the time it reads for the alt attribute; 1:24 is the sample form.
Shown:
12:07
